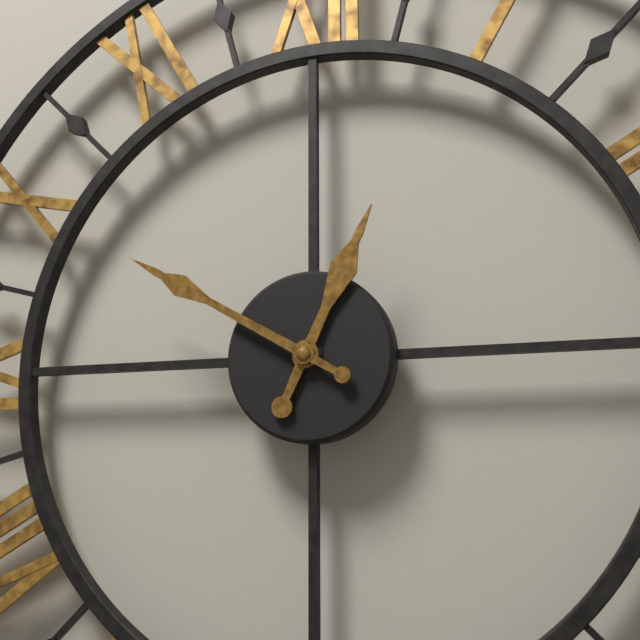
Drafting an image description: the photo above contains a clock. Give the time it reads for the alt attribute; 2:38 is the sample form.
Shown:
12:50
